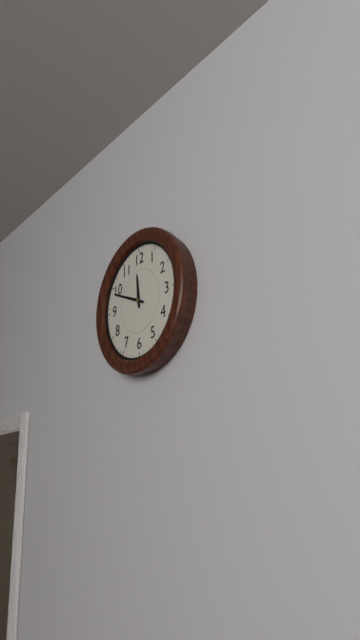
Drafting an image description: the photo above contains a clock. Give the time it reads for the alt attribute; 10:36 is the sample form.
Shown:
11:49
